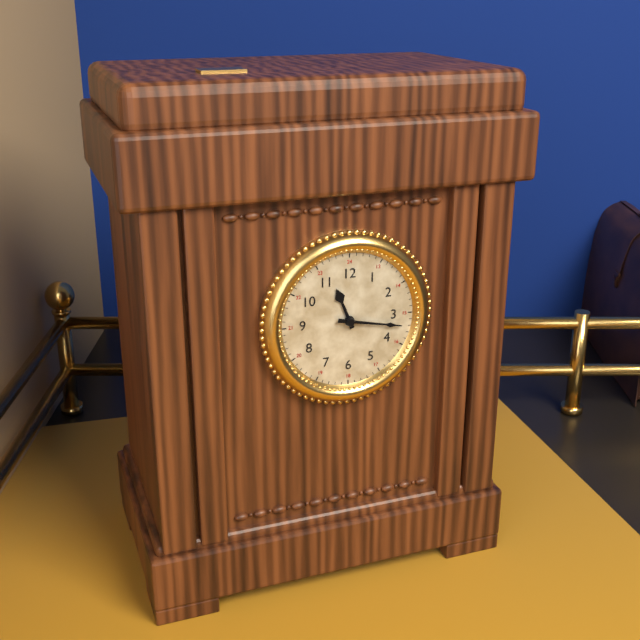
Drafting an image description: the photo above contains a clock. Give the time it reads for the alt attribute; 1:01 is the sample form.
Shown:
11:17
